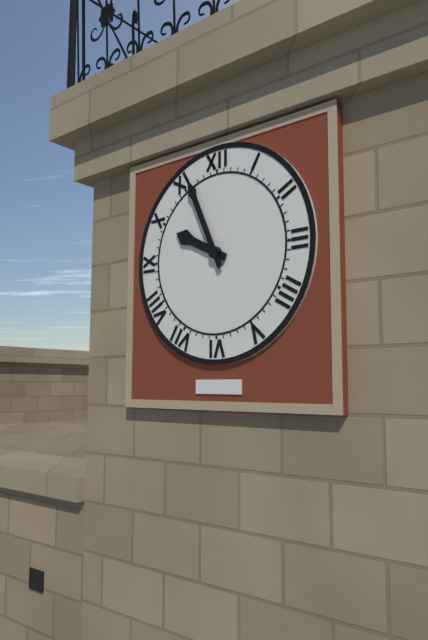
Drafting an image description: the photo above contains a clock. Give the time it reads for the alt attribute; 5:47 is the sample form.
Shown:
9:56
